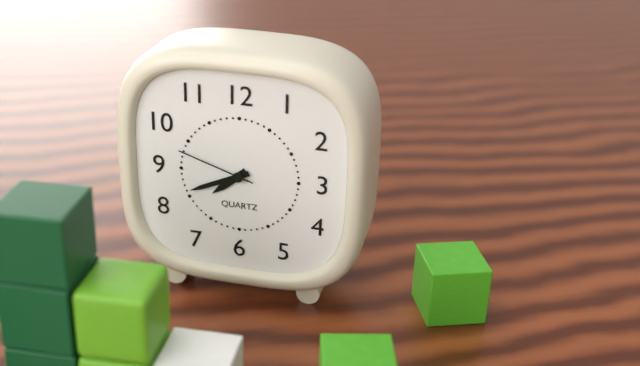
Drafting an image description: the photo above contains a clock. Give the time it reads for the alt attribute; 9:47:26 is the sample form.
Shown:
7:41:48
